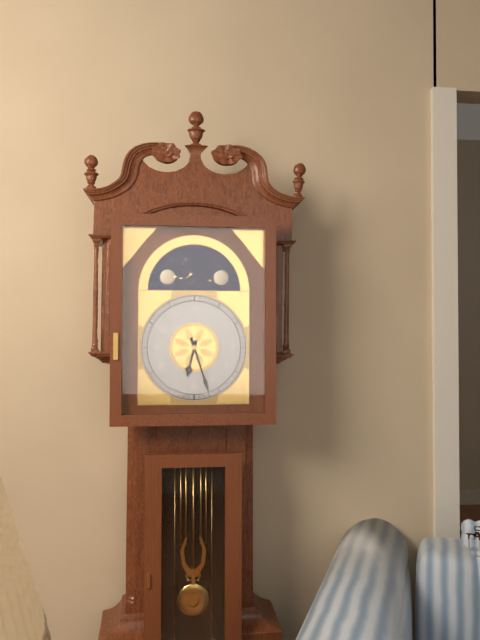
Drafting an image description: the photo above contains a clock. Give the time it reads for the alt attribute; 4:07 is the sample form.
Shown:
6:27
